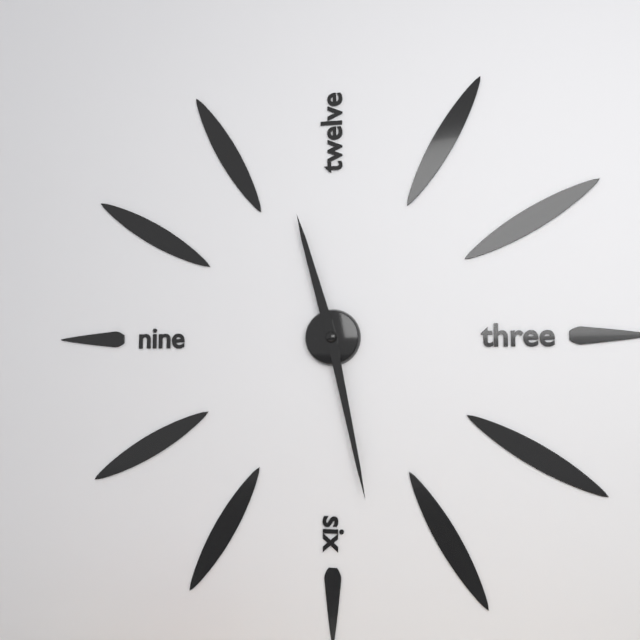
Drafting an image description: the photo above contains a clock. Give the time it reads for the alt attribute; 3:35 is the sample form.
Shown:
11:28
